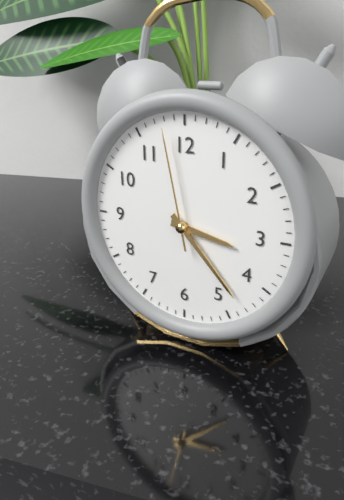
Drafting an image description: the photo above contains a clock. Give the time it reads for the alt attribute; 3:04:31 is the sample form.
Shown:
3:23:58
